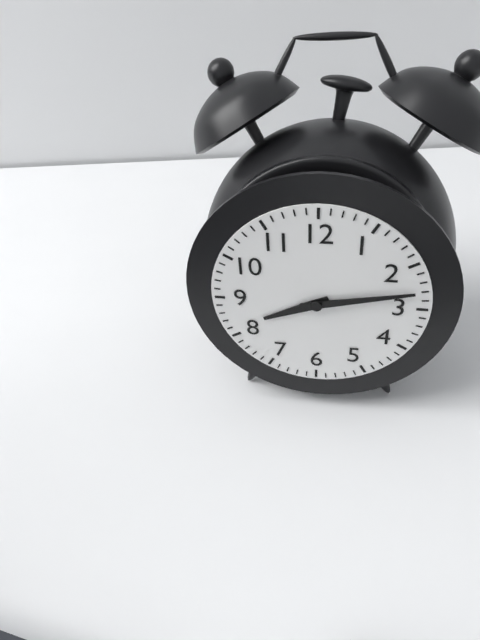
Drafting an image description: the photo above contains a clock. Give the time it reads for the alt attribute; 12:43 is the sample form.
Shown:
8:13
